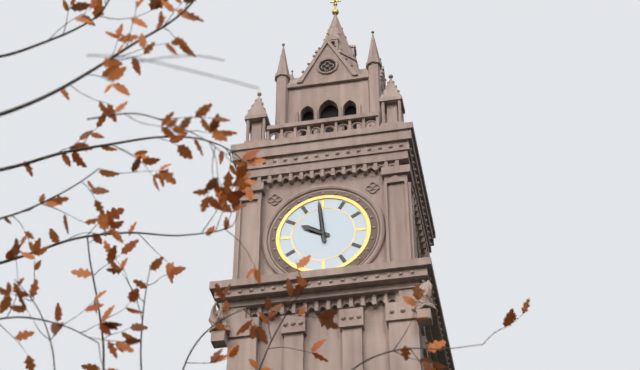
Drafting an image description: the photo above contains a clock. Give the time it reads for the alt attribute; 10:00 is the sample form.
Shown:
9:59
